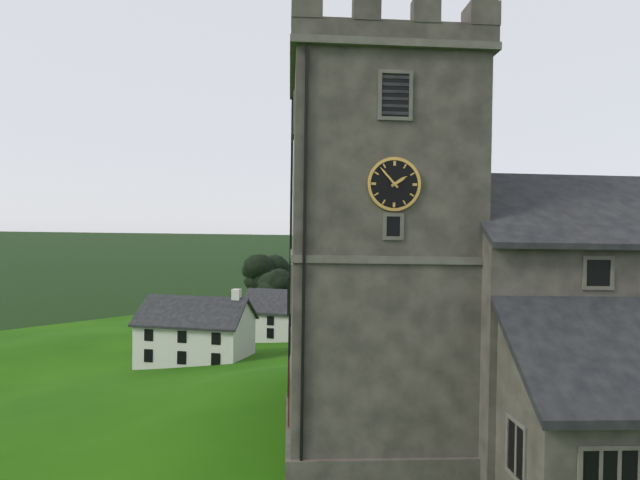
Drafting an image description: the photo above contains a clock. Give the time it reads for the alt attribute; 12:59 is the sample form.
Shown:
1:53
